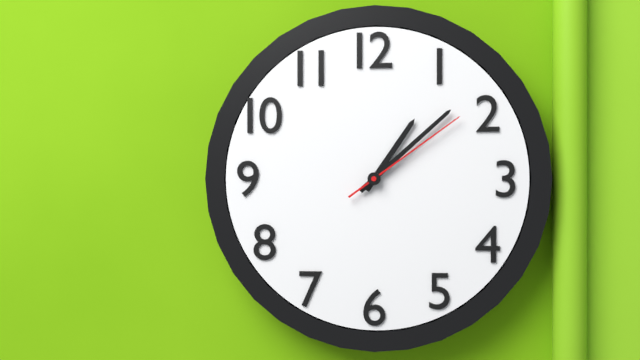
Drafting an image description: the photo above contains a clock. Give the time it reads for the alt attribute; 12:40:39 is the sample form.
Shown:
1:08:09
